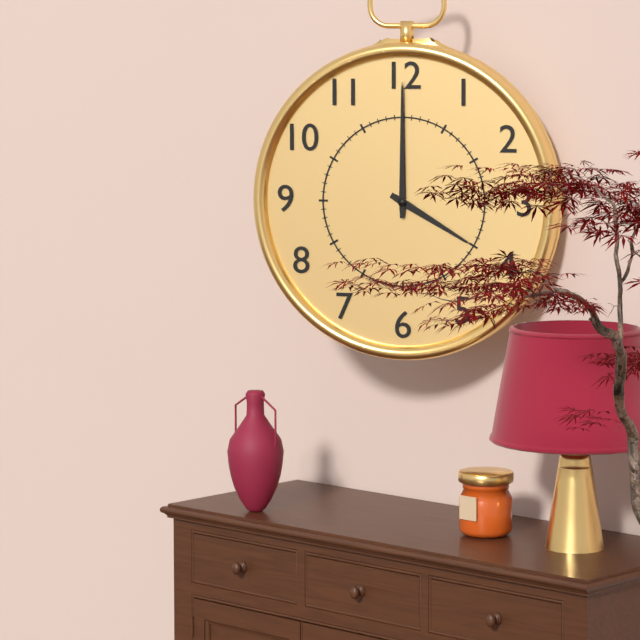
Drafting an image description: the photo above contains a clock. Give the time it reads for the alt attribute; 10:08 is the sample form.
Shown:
4:00
